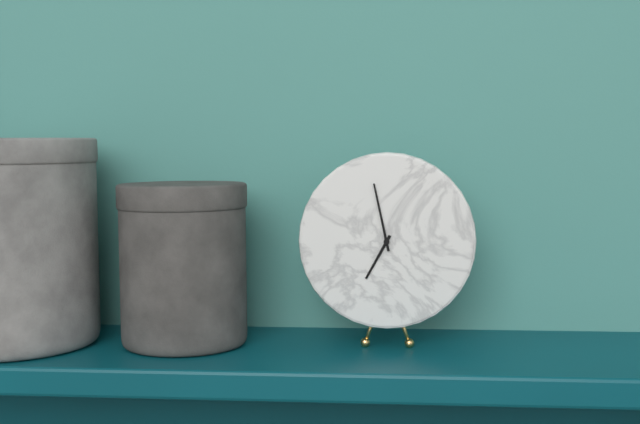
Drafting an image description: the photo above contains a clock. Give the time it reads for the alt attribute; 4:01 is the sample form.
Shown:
6:58
